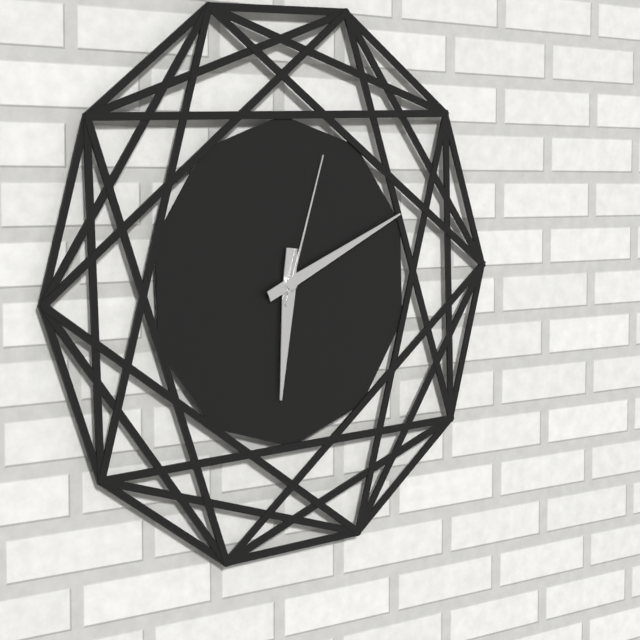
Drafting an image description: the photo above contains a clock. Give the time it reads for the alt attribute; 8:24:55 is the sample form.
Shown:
6:11:03
